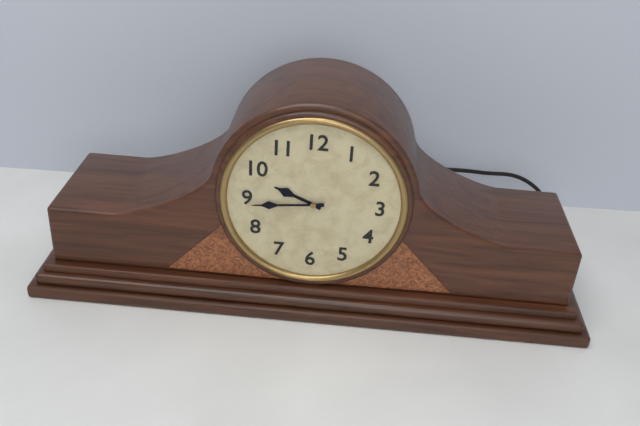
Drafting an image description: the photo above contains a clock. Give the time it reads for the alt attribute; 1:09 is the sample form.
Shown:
9:44
